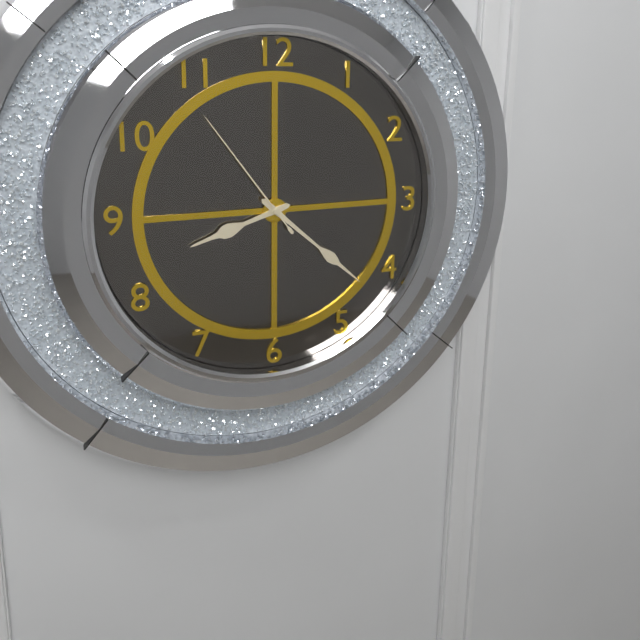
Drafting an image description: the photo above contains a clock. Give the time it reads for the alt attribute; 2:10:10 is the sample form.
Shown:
8:22:54
